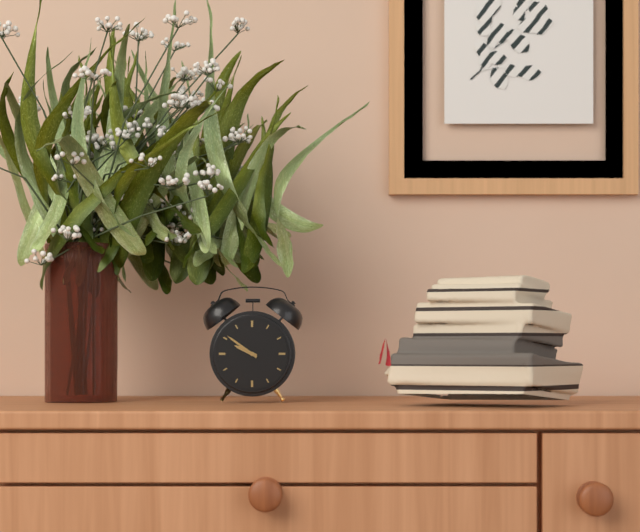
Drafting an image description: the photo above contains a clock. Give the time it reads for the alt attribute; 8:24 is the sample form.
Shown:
9:51
